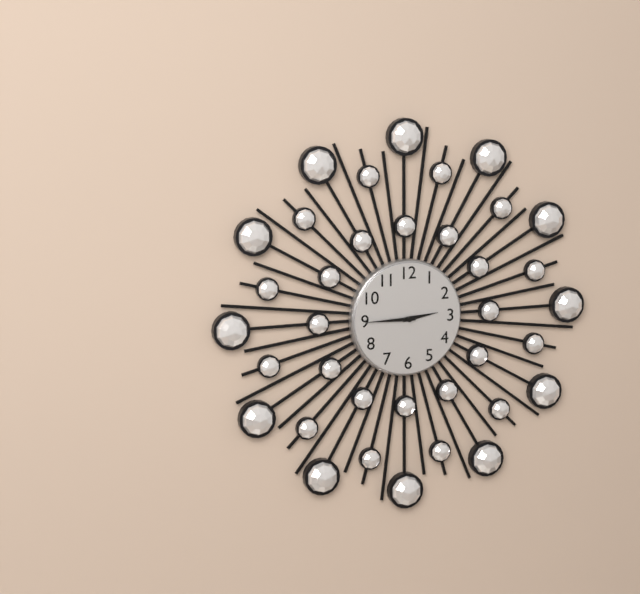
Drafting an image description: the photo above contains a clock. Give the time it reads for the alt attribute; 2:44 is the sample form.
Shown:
2:45
